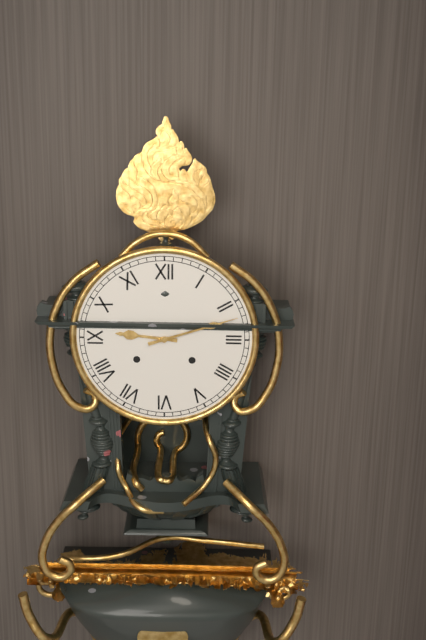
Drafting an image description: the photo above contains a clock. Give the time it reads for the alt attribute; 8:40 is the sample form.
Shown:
9:12
